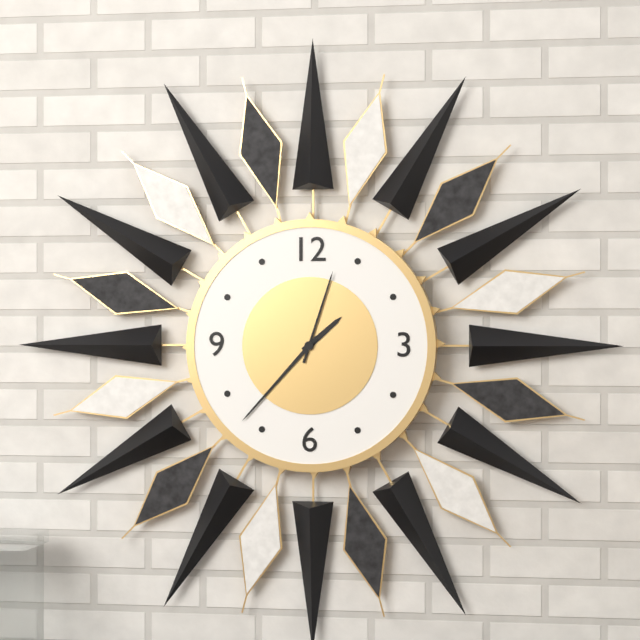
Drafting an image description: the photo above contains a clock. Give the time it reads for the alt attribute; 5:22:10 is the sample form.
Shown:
1:37:03
